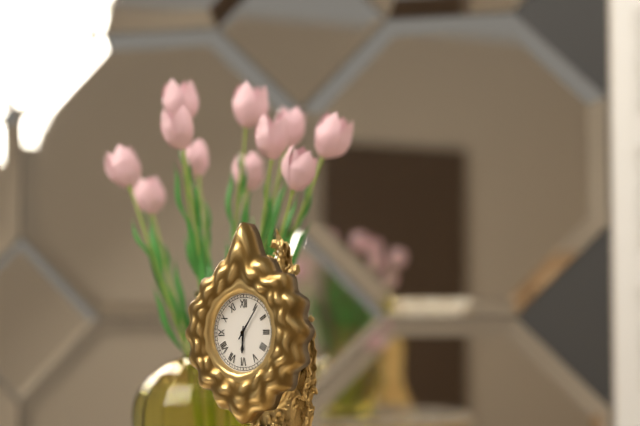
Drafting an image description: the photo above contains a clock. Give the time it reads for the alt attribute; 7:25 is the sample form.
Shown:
6:06
